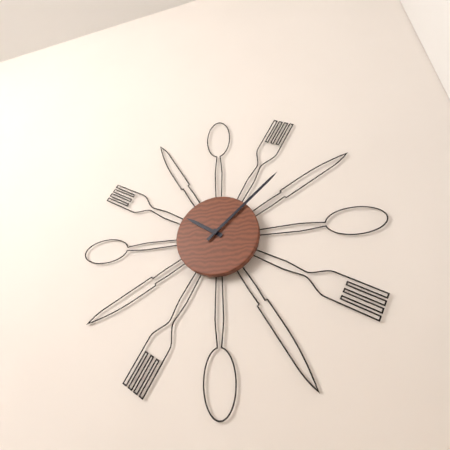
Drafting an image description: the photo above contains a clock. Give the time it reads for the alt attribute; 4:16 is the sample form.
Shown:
10:08
